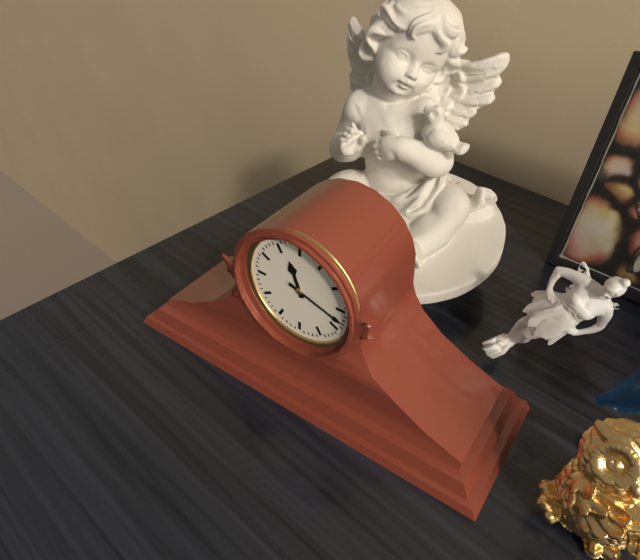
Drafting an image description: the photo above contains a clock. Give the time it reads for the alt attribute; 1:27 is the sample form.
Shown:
11:18
